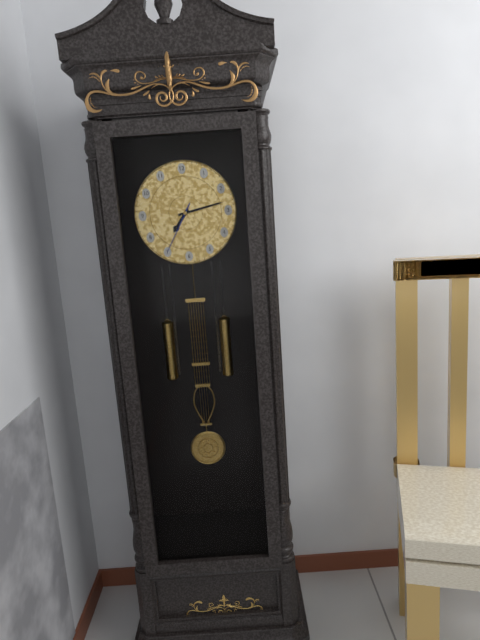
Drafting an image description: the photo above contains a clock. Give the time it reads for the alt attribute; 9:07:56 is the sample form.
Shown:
7:13:35
